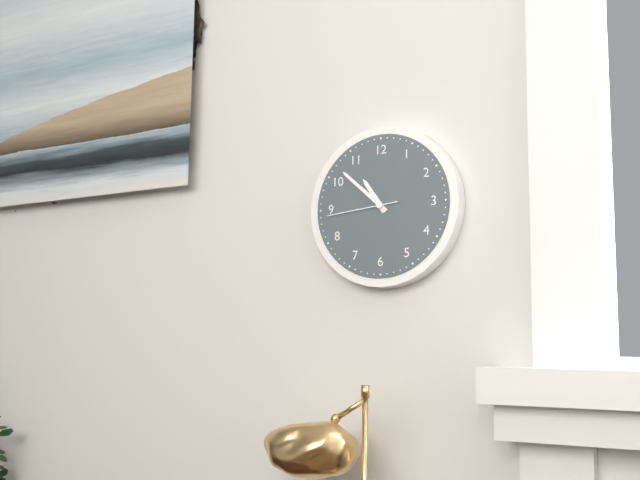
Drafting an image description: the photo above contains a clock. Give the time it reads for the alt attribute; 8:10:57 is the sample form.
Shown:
10:52:44
